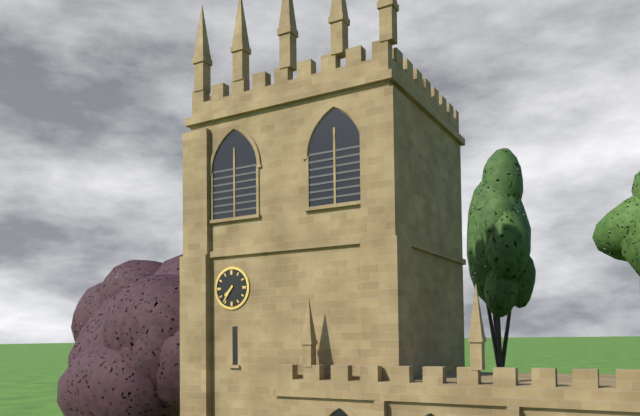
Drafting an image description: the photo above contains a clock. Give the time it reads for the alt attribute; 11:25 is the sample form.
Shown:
7:36
